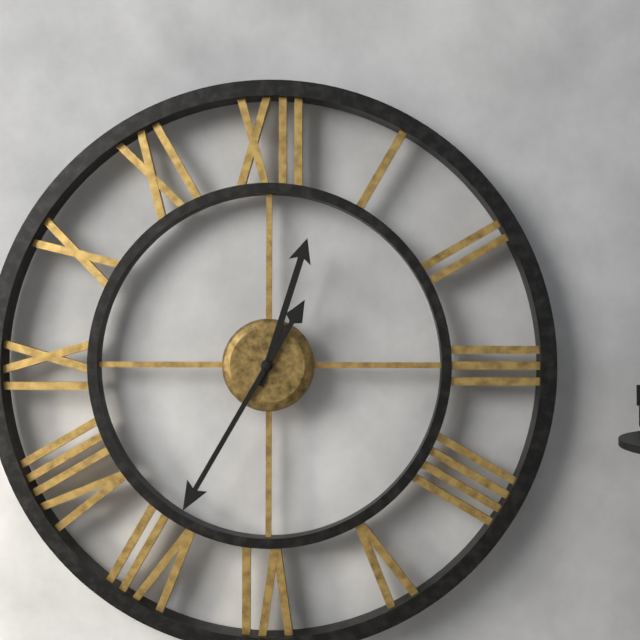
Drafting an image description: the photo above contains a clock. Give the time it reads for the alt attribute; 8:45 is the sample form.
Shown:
12:35
